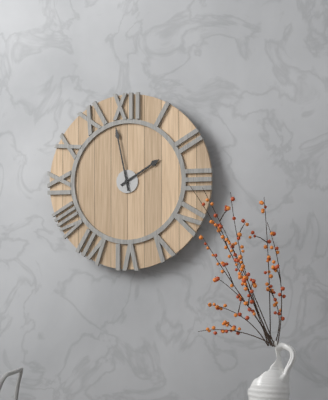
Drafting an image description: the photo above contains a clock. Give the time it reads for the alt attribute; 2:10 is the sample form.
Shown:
1:58
